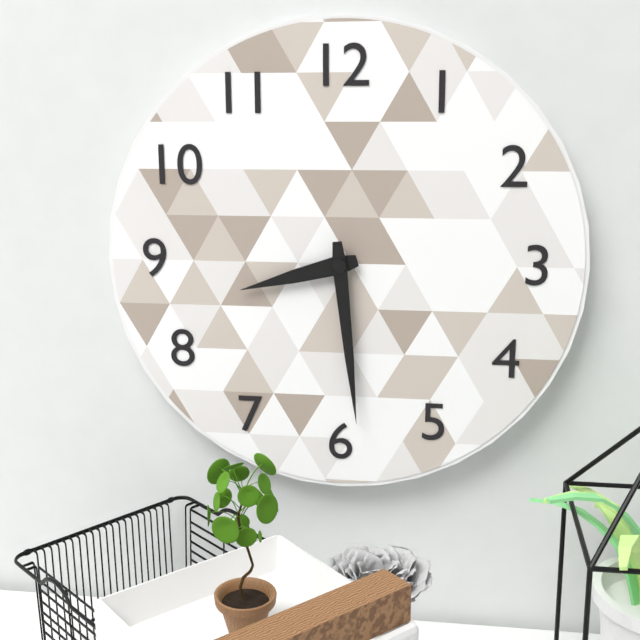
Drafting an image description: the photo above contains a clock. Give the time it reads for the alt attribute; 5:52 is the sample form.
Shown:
8:29
